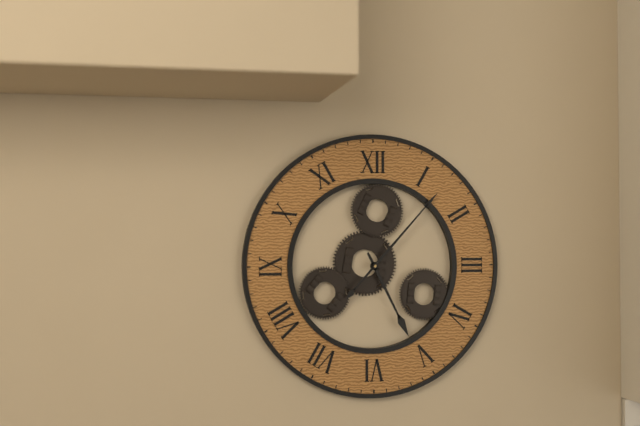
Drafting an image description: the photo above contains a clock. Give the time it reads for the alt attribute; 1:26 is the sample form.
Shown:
5:07
